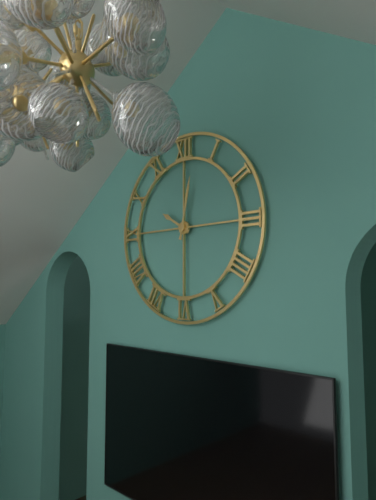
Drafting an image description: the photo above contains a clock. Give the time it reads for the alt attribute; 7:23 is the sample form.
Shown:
10:02
